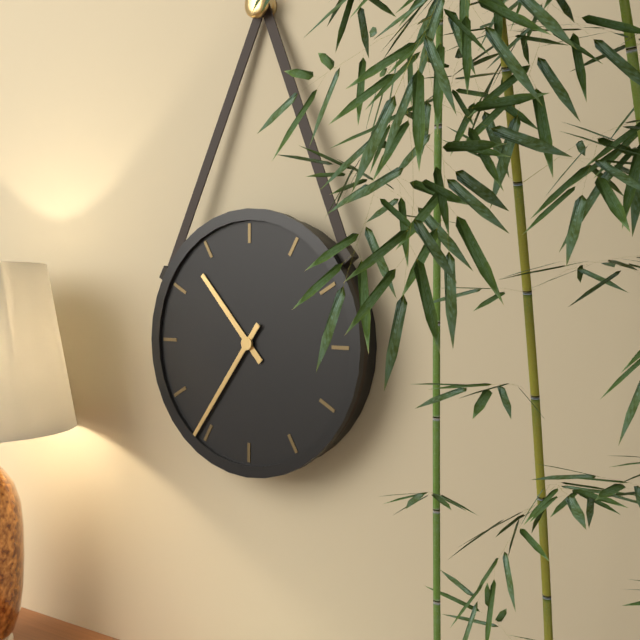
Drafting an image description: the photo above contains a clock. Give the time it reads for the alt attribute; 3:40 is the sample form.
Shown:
10:36
